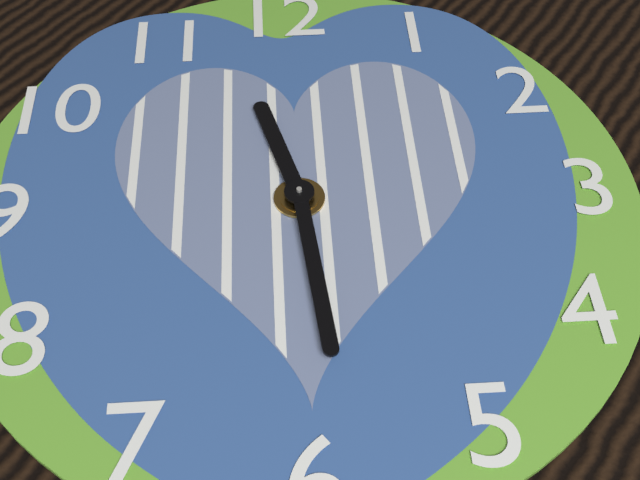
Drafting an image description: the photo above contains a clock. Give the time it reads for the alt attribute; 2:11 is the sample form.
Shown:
11:29
